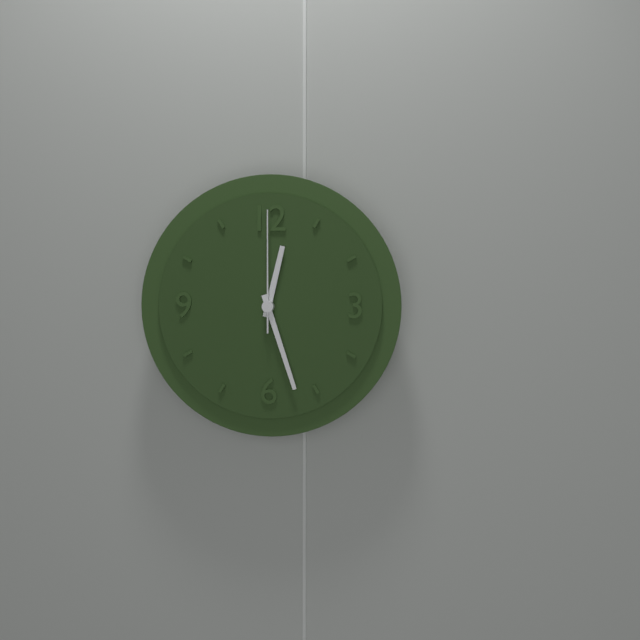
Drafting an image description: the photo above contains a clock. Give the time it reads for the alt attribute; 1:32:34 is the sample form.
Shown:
12:27:00
